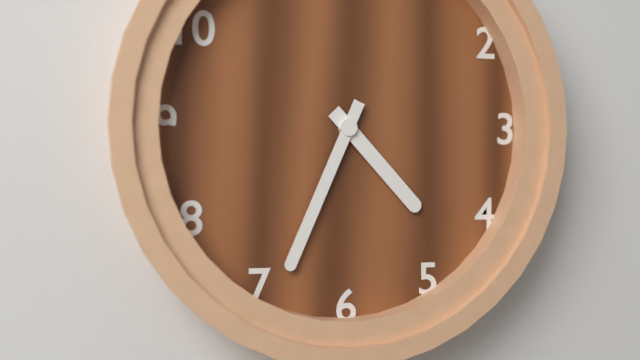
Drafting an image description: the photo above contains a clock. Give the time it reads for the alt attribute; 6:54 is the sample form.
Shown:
4:34
